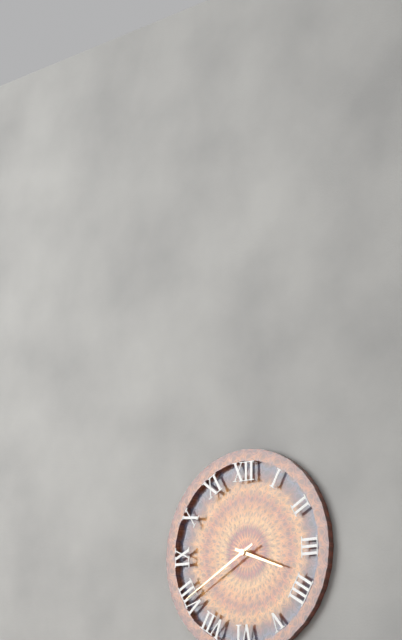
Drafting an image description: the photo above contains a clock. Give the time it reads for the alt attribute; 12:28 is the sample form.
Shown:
3:40
